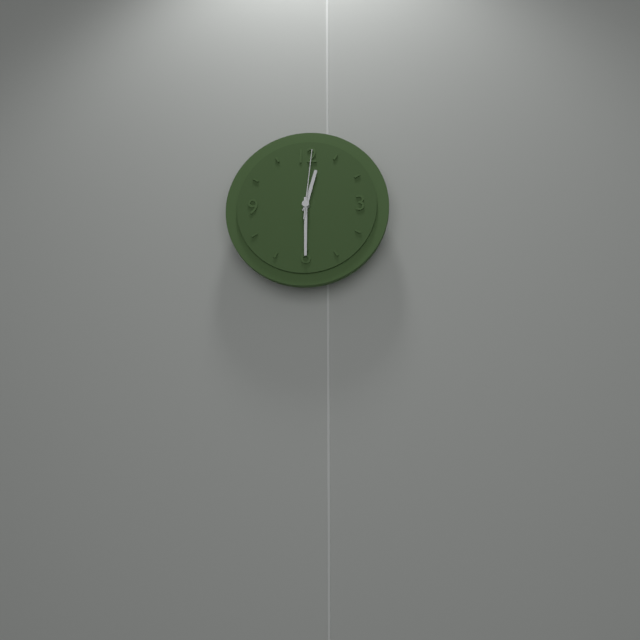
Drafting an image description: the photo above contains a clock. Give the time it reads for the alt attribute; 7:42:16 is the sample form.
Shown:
12:30:01
